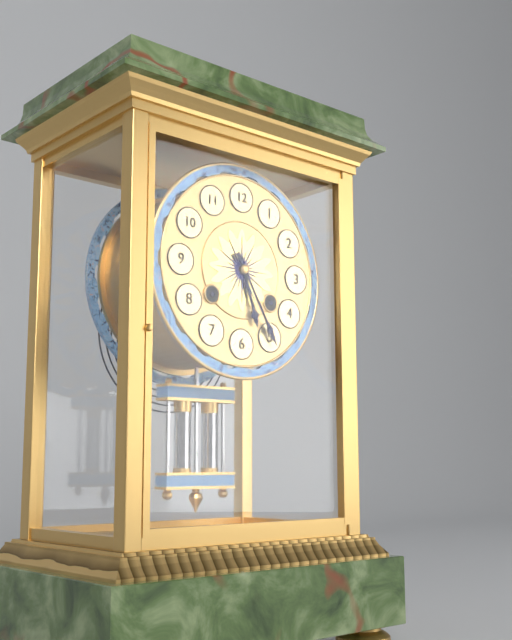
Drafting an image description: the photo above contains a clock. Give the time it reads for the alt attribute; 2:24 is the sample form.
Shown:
5:25
